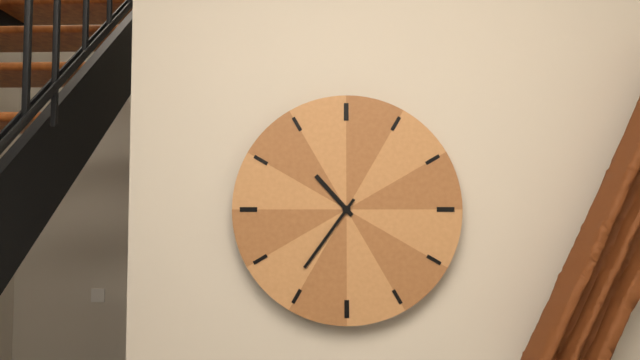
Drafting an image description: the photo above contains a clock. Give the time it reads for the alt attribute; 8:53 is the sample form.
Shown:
10:36
